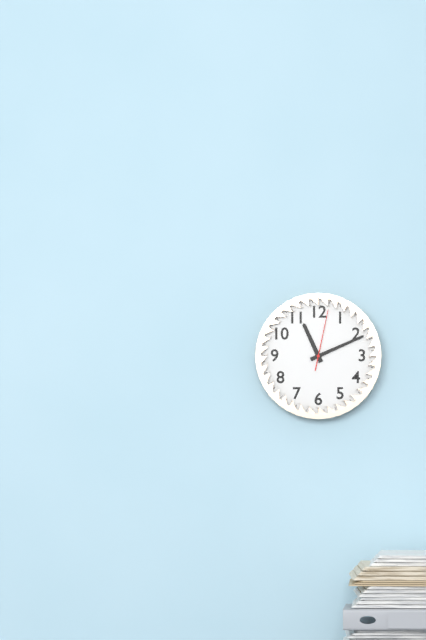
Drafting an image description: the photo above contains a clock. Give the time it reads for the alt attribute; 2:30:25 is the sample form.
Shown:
11:11:02
